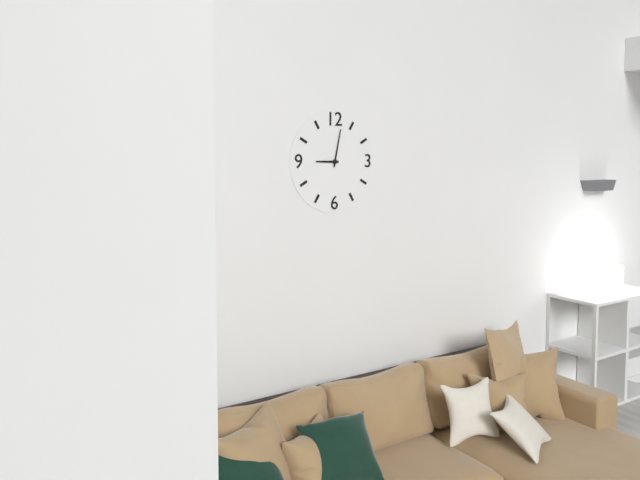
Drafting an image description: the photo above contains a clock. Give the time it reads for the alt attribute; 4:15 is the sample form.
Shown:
9:02
